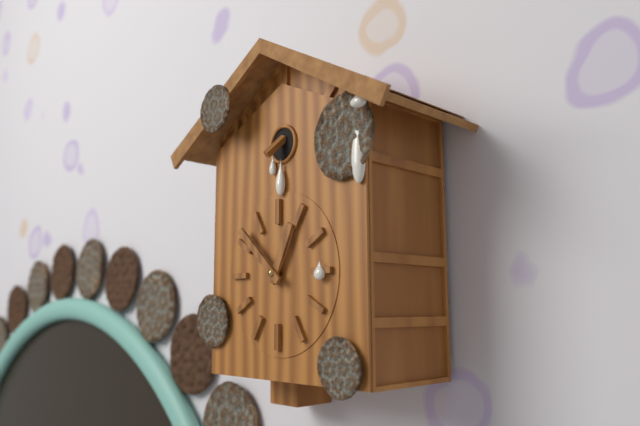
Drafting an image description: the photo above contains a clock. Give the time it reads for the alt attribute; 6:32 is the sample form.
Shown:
12:52
